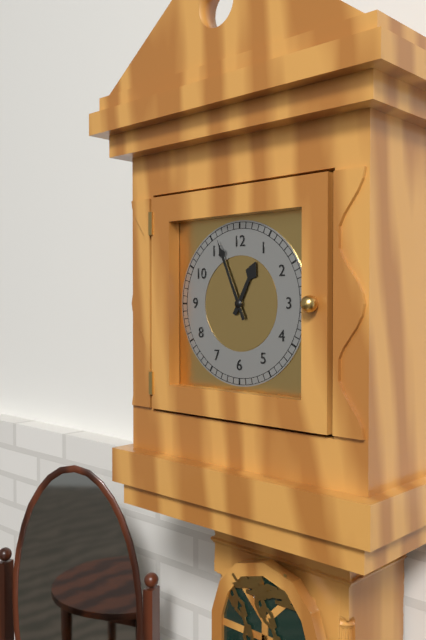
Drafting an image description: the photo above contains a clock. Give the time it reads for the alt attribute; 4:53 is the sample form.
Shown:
12:56
